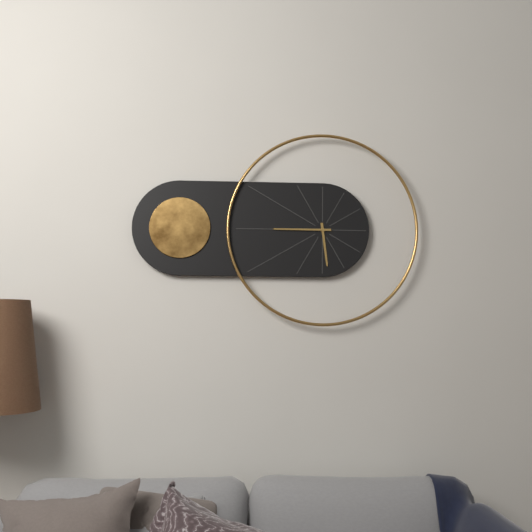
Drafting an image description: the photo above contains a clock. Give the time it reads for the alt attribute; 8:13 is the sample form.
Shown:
5:45
